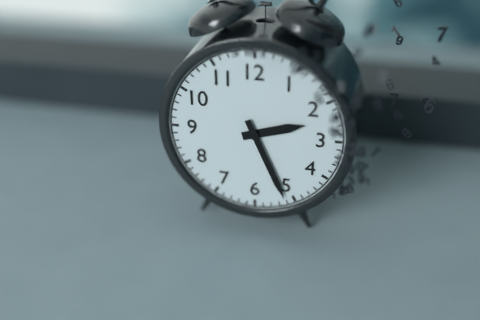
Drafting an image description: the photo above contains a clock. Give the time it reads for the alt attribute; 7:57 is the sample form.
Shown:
2:26
